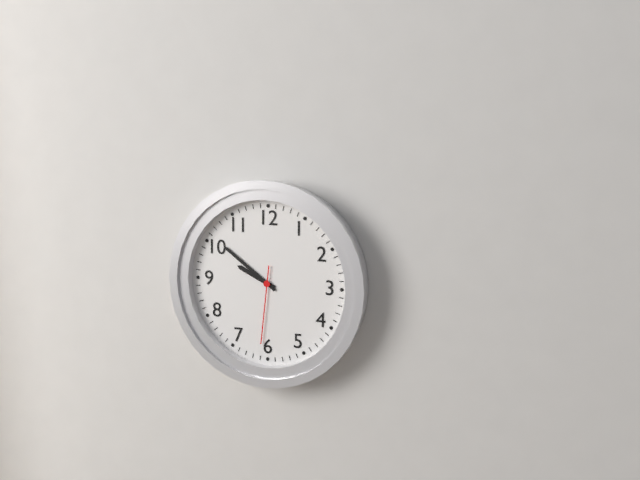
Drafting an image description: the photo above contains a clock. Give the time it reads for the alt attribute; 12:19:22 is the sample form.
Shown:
9:51:31
